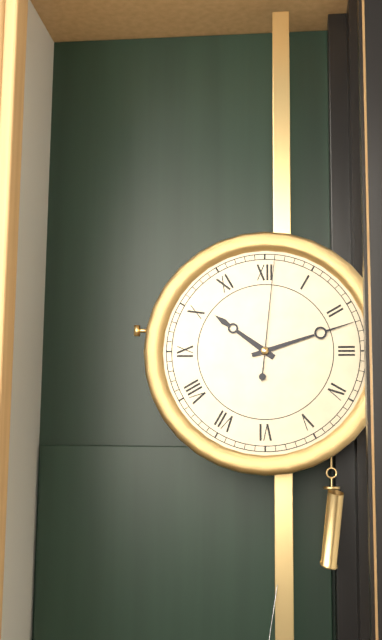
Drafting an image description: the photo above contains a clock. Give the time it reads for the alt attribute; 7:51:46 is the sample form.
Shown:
10:12:01
